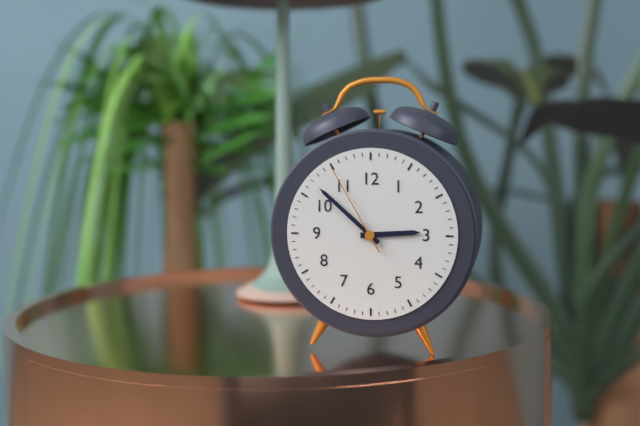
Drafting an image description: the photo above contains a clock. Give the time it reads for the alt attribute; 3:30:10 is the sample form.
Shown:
2:52:55
